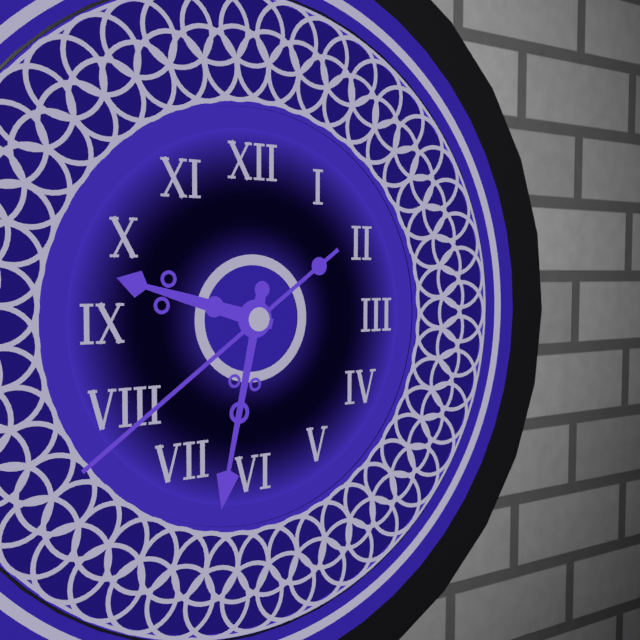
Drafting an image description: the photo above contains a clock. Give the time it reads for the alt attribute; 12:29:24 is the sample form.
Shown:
9:32:39
